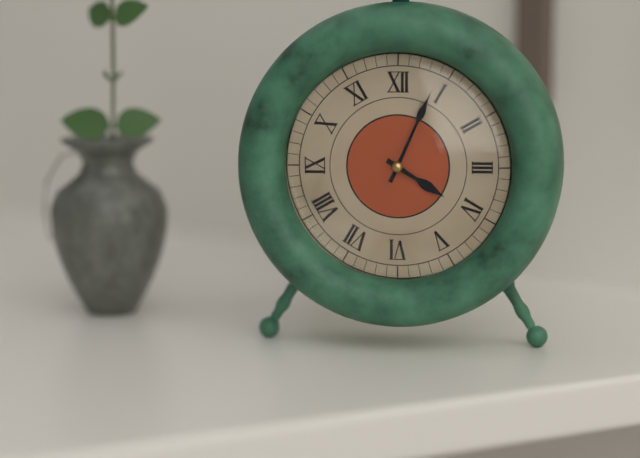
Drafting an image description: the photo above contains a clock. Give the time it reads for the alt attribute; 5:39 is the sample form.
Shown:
4:04
